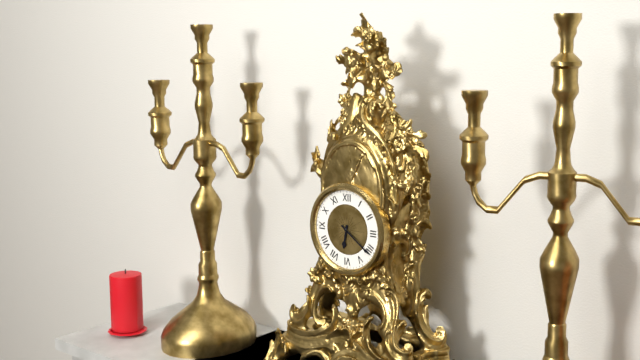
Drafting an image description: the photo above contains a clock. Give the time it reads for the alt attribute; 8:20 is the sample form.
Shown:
6:21
